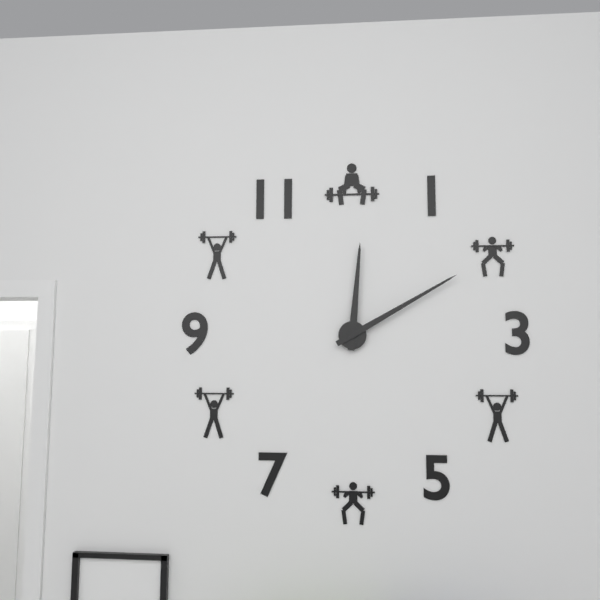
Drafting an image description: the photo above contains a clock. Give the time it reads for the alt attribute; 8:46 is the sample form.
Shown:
12:10
